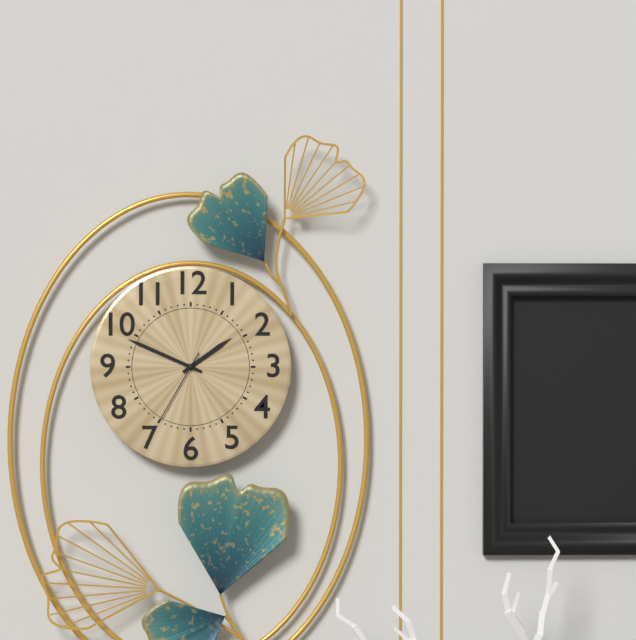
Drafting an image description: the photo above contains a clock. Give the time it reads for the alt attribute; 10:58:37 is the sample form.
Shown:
1:49:35
